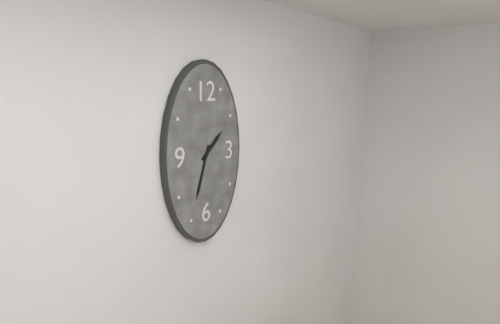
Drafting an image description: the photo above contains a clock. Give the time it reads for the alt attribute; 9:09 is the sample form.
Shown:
1:33
